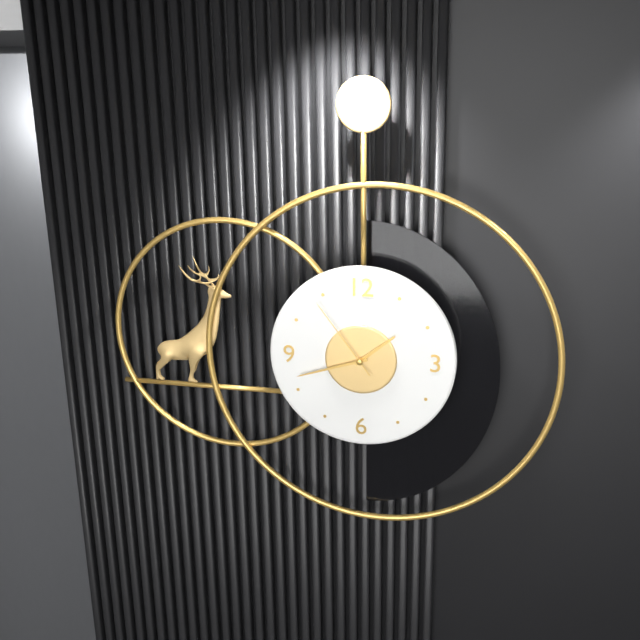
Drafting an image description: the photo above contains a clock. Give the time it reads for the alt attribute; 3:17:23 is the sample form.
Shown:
1:42:54
